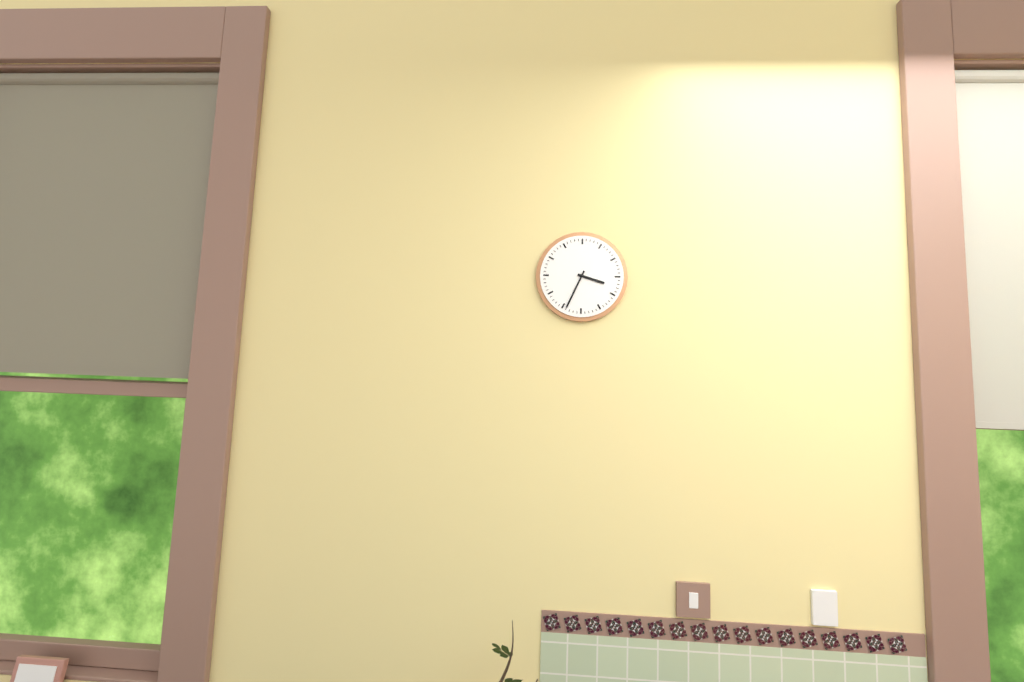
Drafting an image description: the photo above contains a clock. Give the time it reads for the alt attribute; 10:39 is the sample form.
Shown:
3:34
